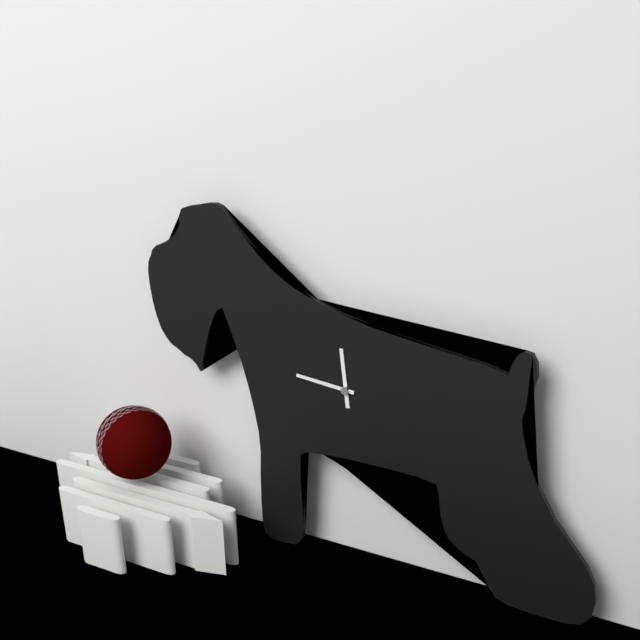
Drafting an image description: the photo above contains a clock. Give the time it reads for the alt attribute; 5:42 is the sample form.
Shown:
11:46
